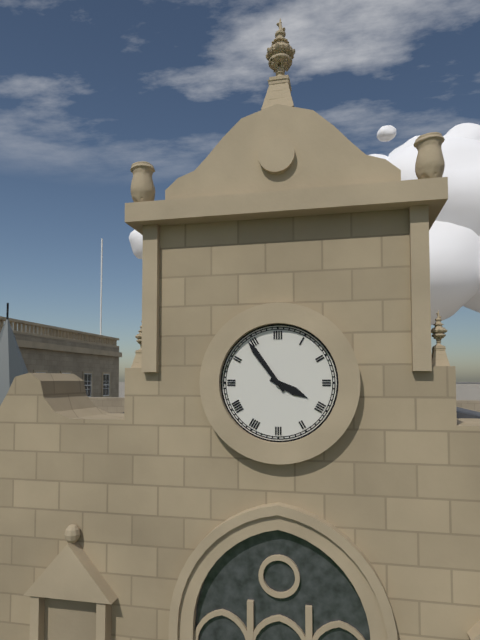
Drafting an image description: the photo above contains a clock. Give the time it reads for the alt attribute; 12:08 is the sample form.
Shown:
3:54
